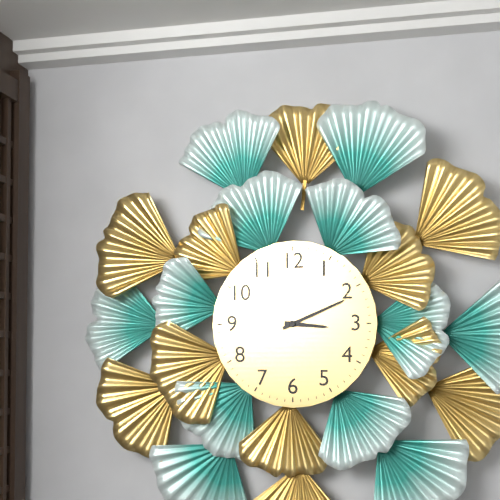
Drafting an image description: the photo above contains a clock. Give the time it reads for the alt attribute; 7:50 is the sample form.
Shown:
3:11
